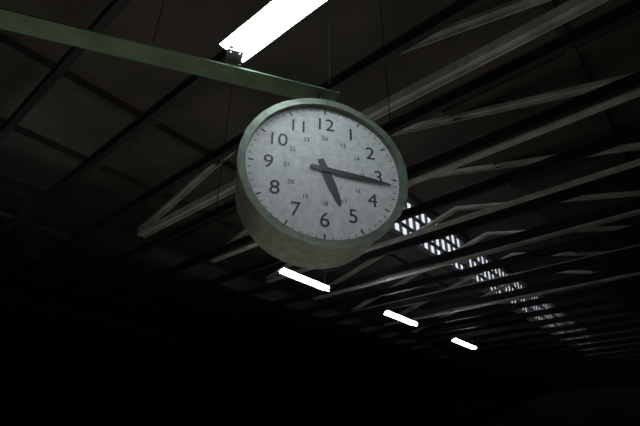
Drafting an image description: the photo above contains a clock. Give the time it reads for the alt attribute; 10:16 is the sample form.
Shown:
5:16
